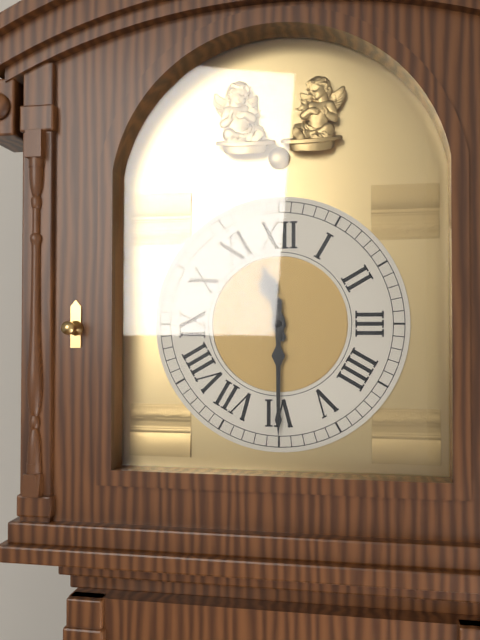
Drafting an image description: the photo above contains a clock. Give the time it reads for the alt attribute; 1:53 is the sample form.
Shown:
11:30
